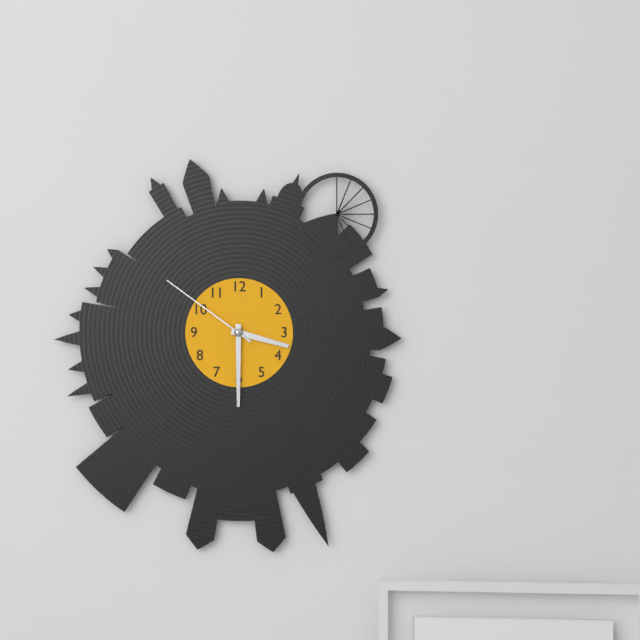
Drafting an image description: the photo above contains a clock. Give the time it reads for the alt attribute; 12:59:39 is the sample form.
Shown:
3:30:51
